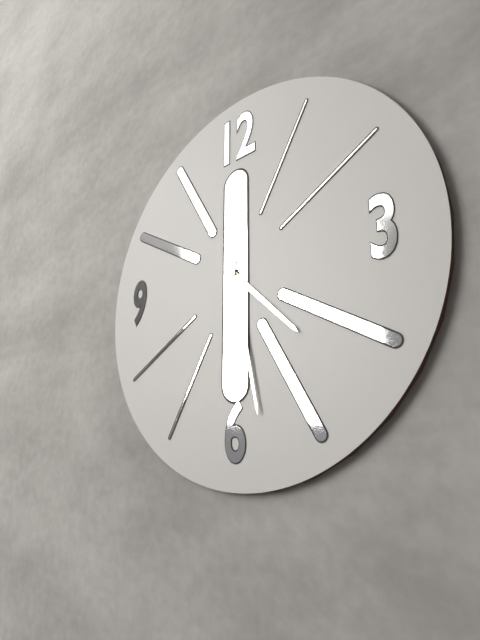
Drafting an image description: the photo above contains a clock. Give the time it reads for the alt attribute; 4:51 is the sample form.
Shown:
4:28
